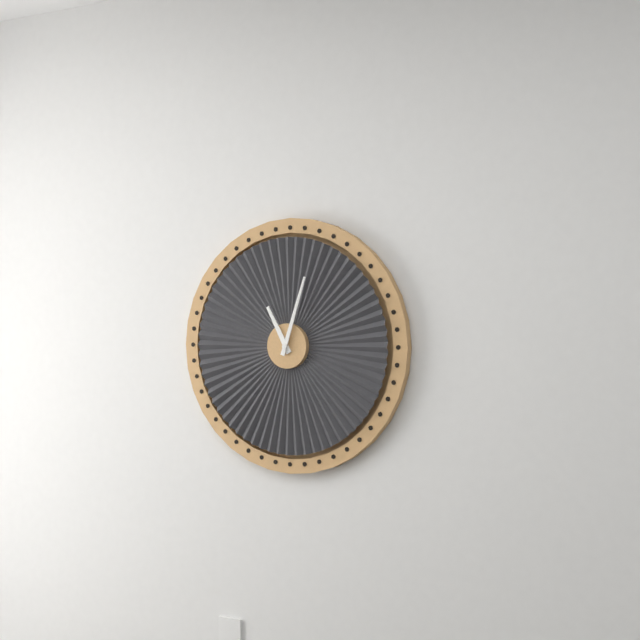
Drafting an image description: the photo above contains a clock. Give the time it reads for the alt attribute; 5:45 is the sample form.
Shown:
11:03
